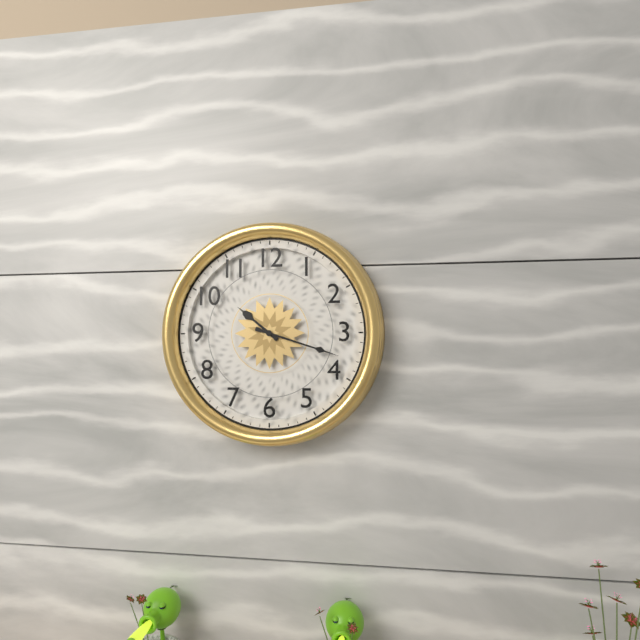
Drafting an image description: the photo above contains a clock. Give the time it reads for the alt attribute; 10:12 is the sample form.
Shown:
10:18
